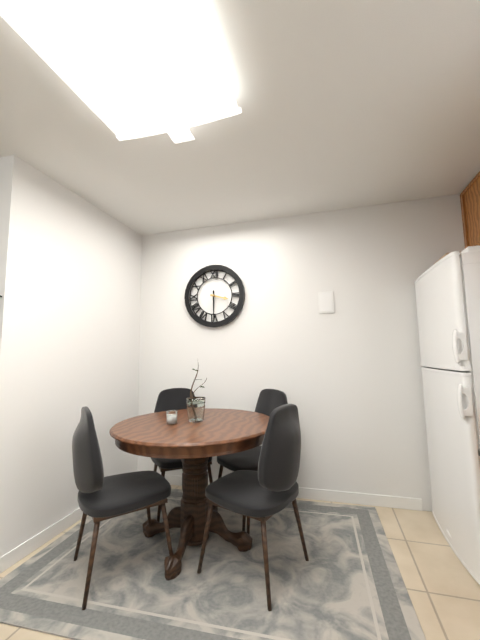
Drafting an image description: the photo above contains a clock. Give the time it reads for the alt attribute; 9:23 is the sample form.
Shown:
3:30
